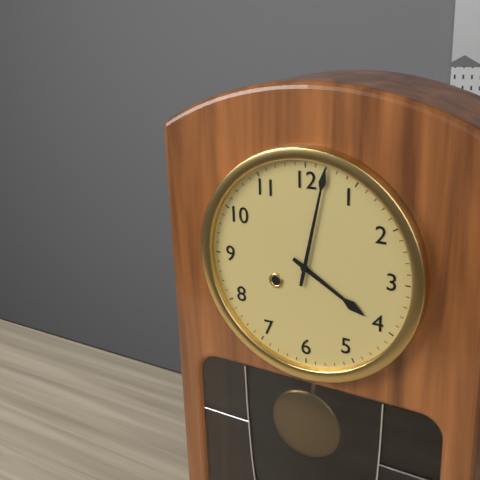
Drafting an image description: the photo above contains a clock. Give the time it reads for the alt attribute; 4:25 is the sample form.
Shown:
4:02
